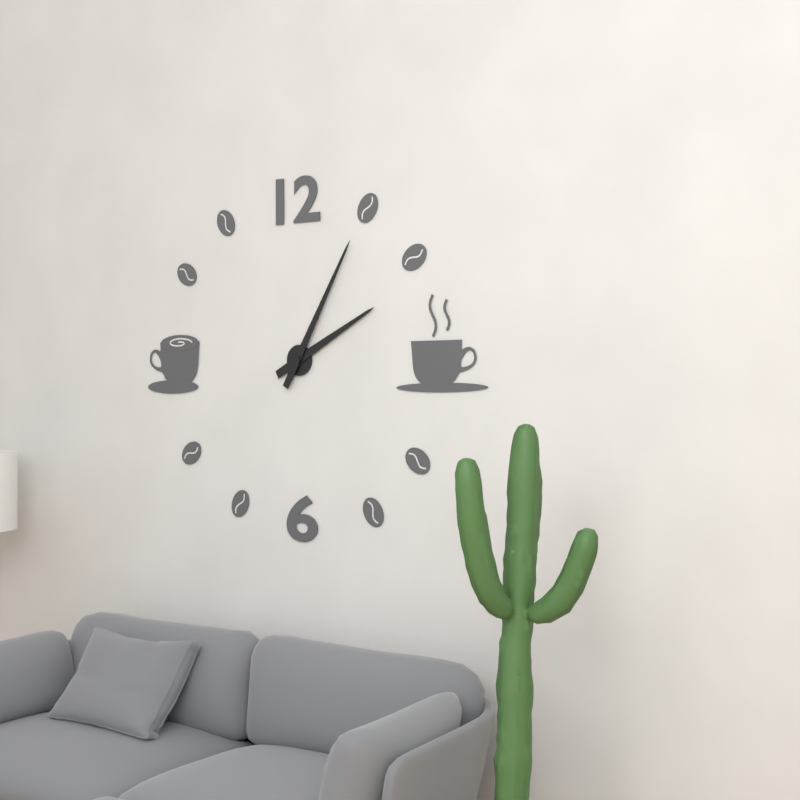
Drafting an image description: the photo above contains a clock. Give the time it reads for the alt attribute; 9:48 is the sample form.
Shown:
2:05
